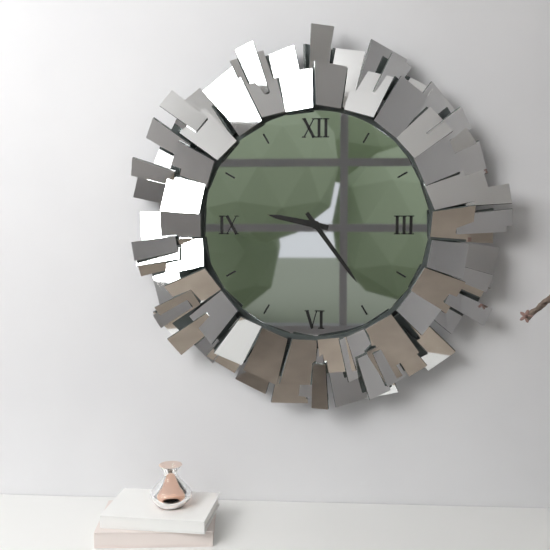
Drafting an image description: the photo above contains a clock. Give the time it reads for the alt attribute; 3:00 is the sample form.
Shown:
9:24
